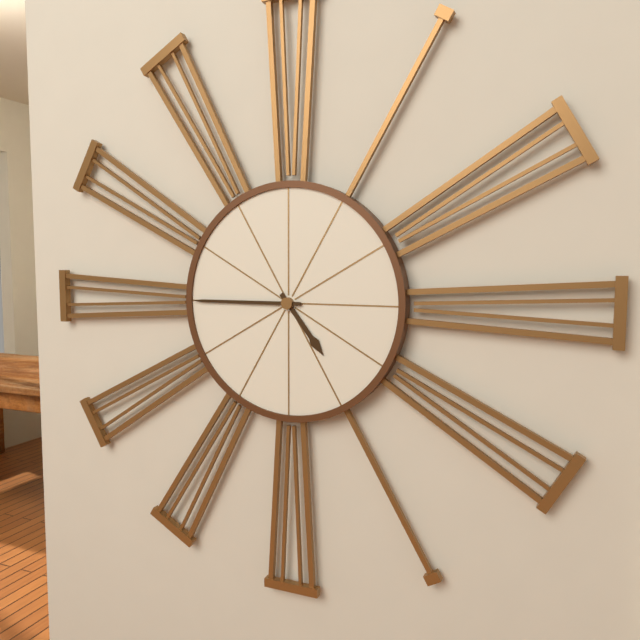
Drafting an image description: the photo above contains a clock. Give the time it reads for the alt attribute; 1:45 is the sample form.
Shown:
4:45
